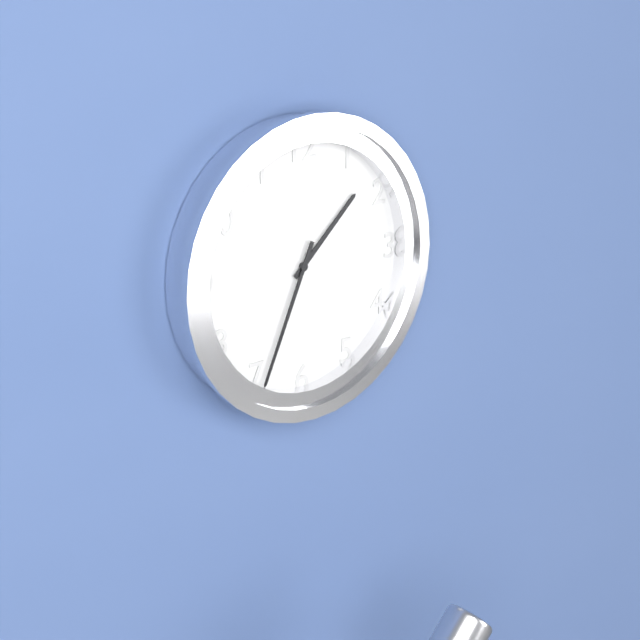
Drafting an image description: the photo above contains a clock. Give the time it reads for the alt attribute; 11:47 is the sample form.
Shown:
1:34
